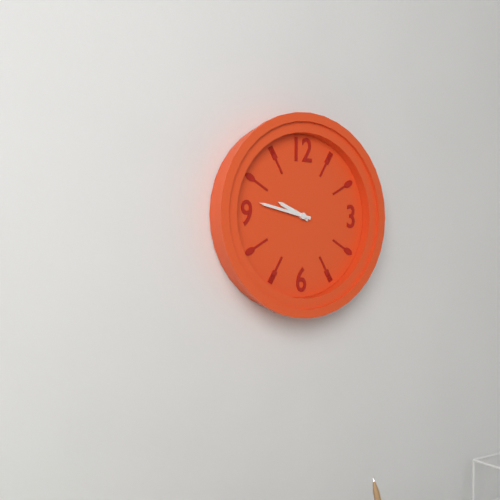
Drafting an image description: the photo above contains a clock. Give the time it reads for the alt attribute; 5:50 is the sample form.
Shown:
9:47
